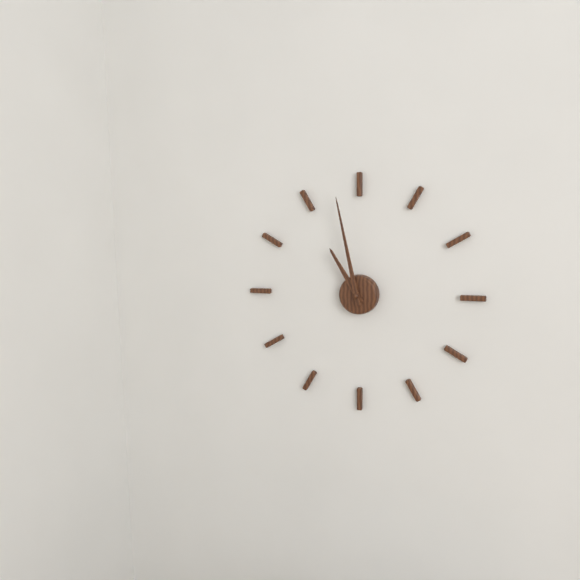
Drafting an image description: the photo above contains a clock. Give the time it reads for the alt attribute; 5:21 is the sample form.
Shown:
10:58
